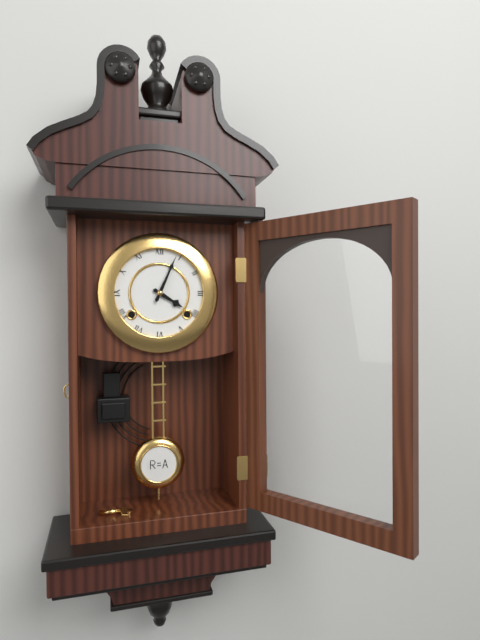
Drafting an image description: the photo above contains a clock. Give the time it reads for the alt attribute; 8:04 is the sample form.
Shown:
4:04
